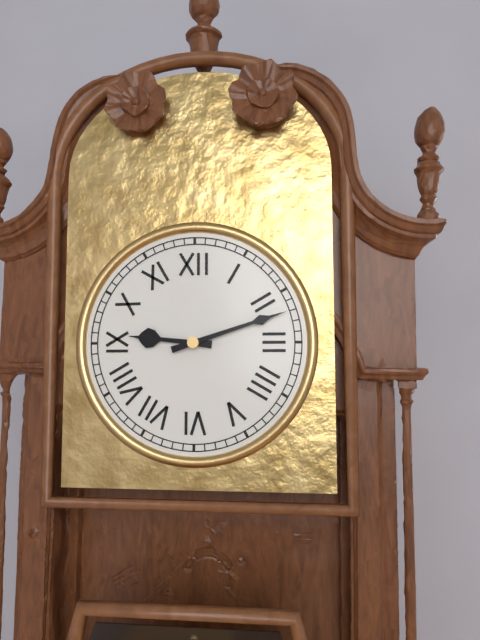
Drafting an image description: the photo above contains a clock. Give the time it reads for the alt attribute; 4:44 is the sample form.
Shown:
9:12
